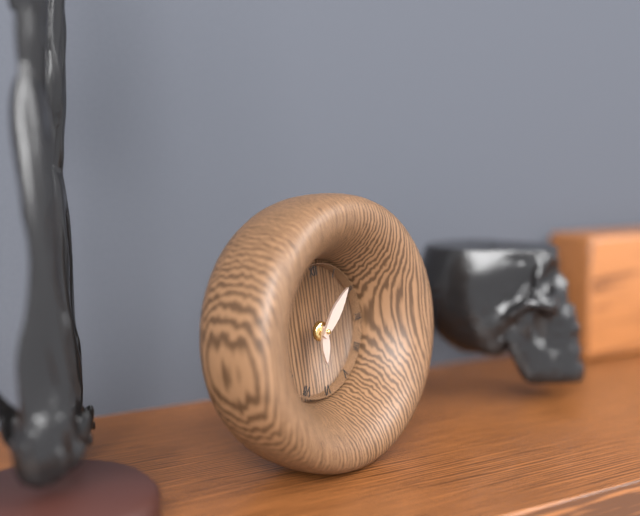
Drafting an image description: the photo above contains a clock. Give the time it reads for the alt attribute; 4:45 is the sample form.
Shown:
6:08
